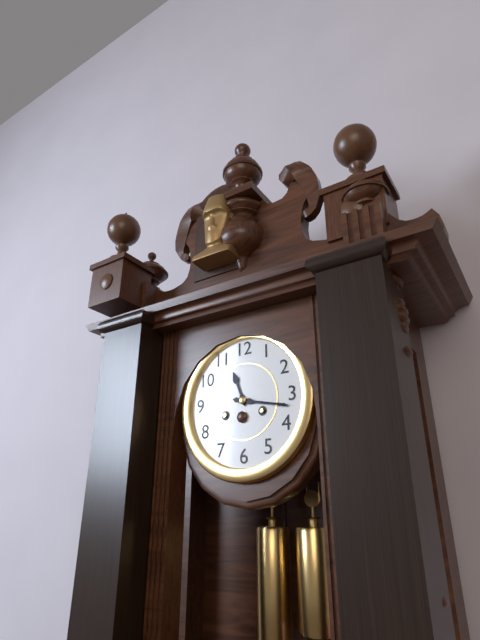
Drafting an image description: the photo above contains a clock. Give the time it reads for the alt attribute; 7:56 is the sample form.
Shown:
11:17
